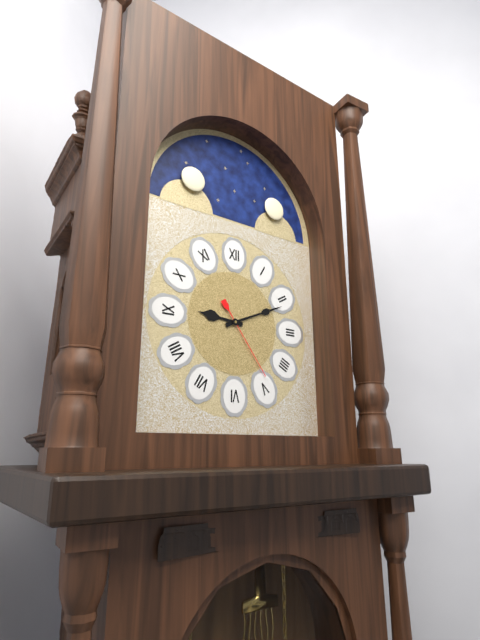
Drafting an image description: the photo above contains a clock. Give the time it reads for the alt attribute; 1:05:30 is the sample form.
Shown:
9:11:24
